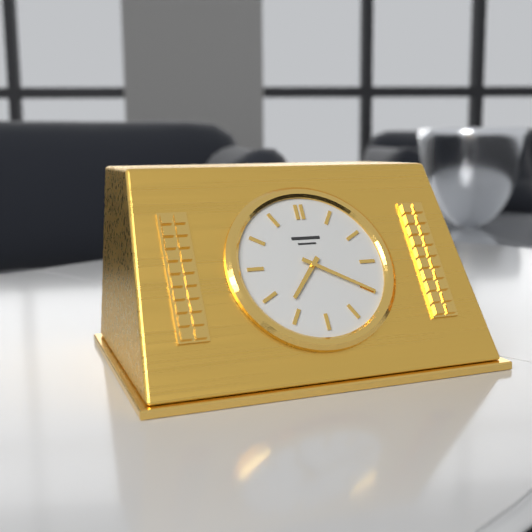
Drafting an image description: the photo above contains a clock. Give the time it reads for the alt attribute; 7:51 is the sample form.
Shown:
7:20
